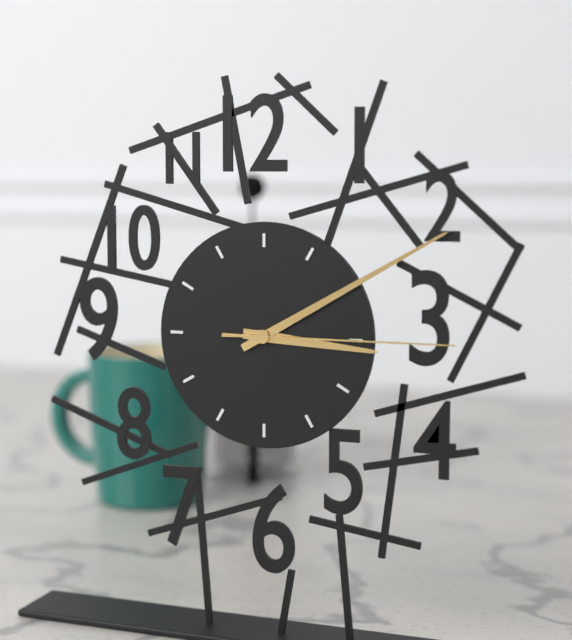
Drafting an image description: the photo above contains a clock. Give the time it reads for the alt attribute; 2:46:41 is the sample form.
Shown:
3:10:15
